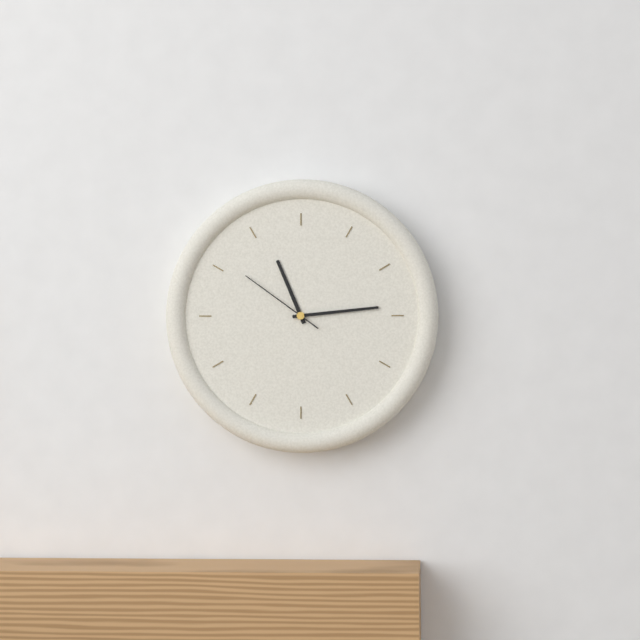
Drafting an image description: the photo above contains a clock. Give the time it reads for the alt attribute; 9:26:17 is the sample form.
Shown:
11:14:51
